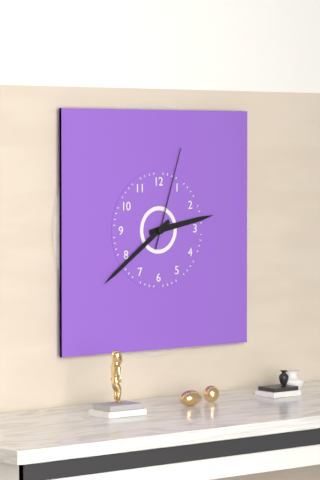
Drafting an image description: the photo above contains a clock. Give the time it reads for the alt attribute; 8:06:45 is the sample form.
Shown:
2:39:03
